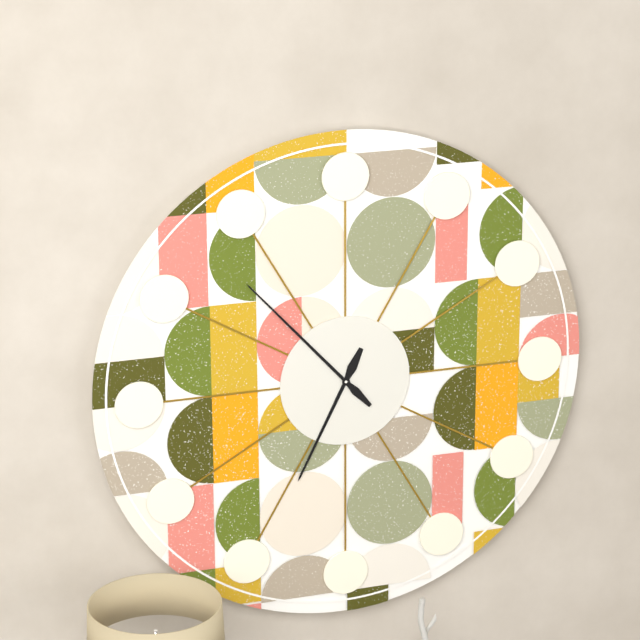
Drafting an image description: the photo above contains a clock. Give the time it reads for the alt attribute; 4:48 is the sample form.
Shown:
6:53
